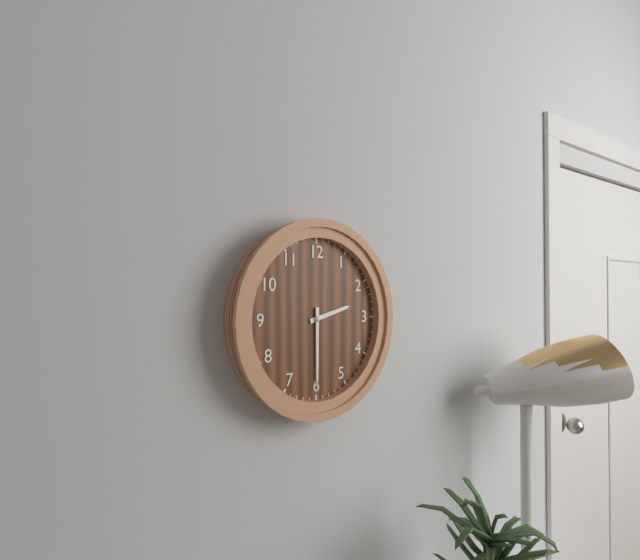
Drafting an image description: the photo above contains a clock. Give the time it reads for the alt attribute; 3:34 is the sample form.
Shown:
2:30
